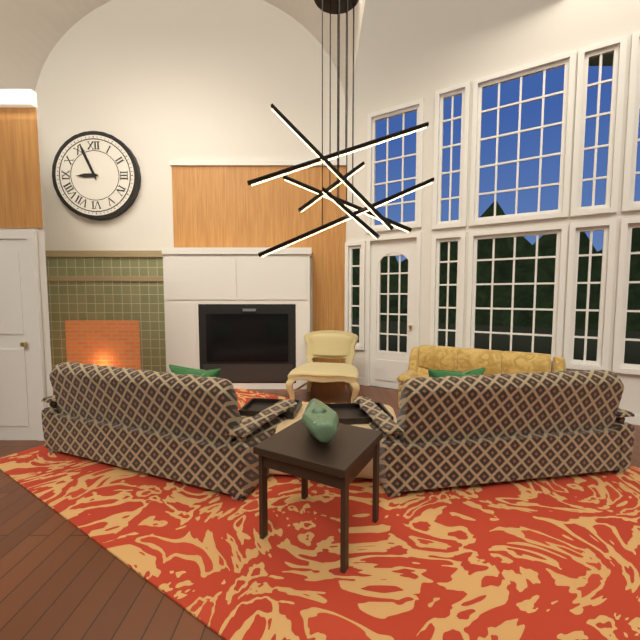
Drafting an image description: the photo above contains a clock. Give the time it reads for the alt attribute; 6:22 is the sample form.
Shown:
8:56
